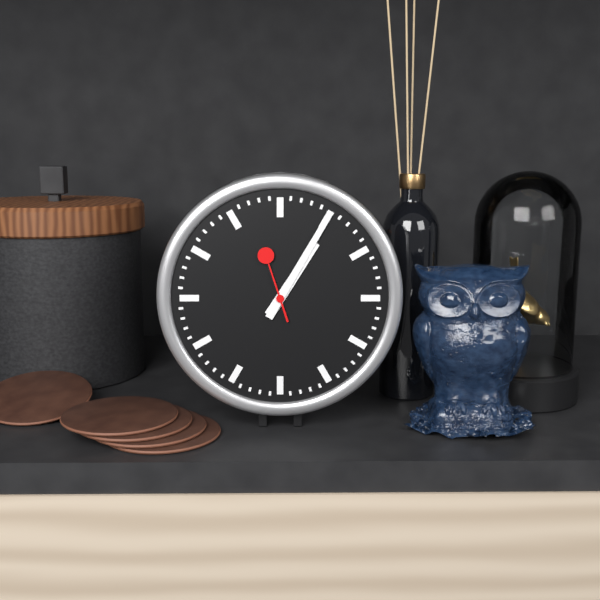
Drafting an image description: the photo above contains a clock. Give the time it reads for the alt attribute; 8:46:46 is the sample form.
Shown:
1:05:57
